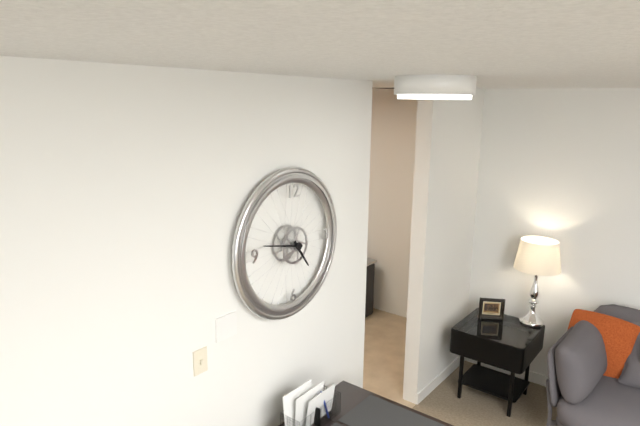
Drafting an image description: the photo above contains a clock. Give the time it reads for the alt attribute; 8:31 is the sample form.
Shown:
4:47
